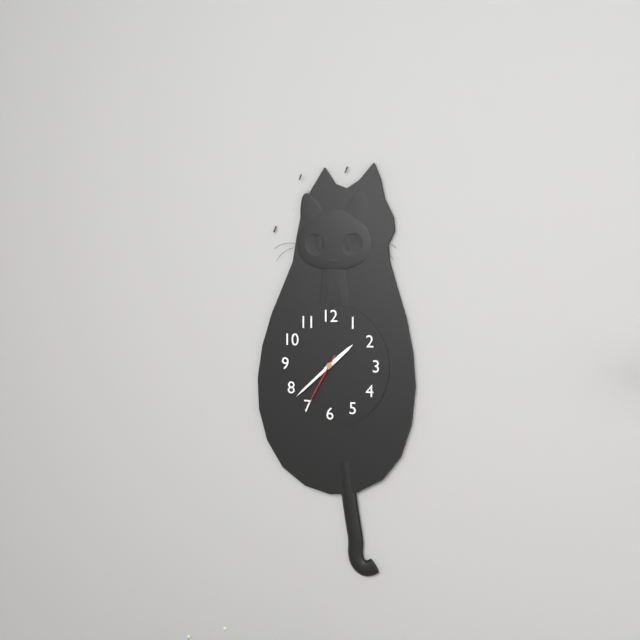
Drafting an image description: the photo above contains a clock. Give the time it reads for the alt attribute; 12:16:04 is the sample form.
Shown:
1:38:35
